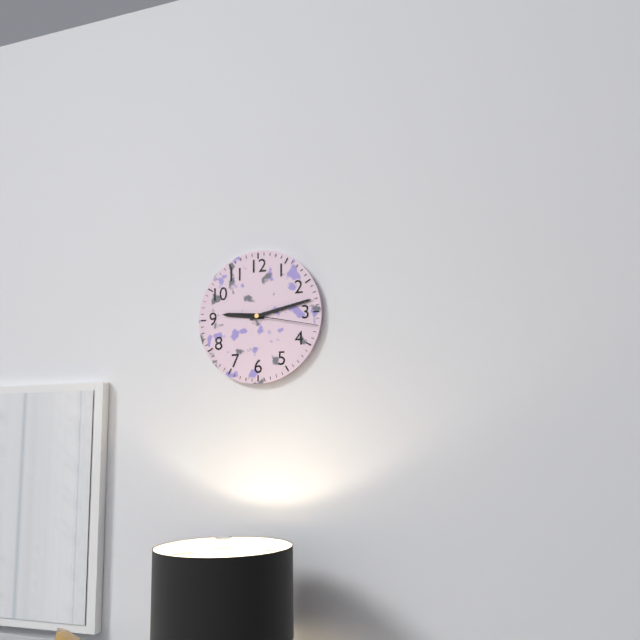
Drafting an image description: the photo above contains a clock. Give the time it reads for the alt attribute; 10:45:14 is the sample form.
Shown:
9:13:17
